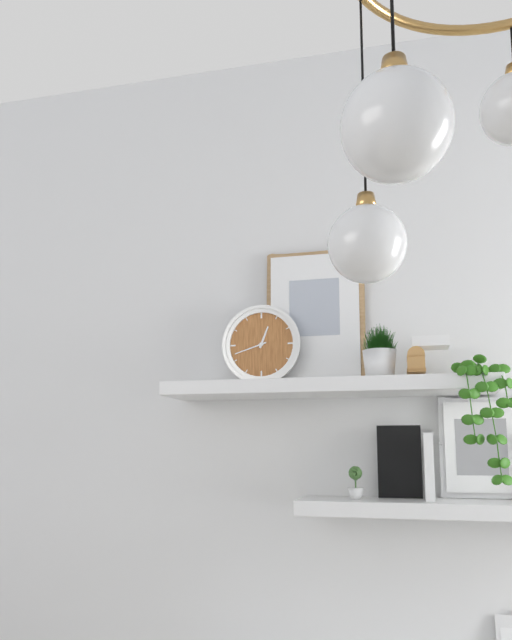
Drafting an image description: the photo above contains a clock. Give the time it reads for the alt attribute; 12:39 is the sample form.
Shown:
12:42
